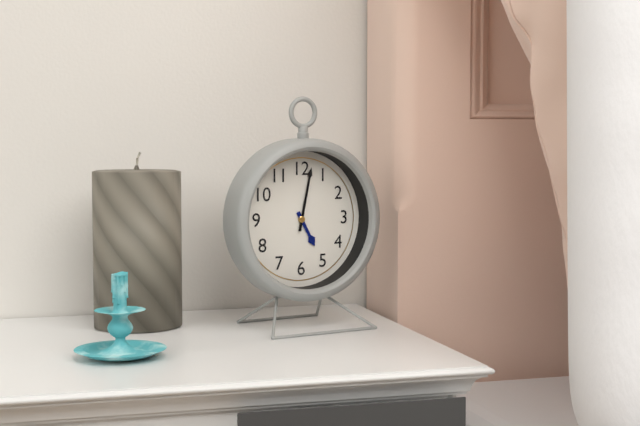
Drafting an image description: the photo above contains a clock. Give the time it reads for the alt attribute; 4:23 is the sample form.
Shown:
5:02
